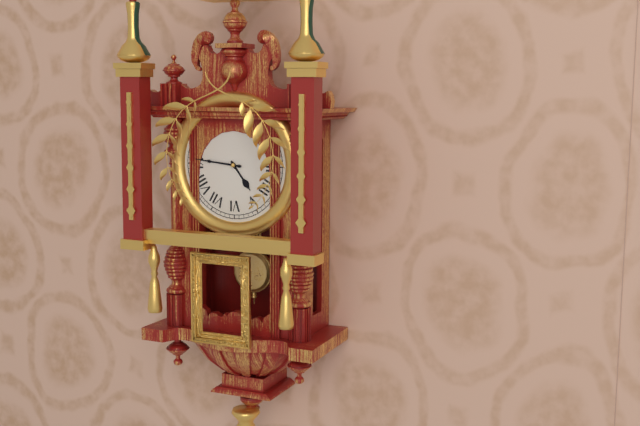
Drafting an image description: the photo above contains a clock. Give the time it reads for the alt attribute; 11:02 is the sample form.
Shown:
4:46
